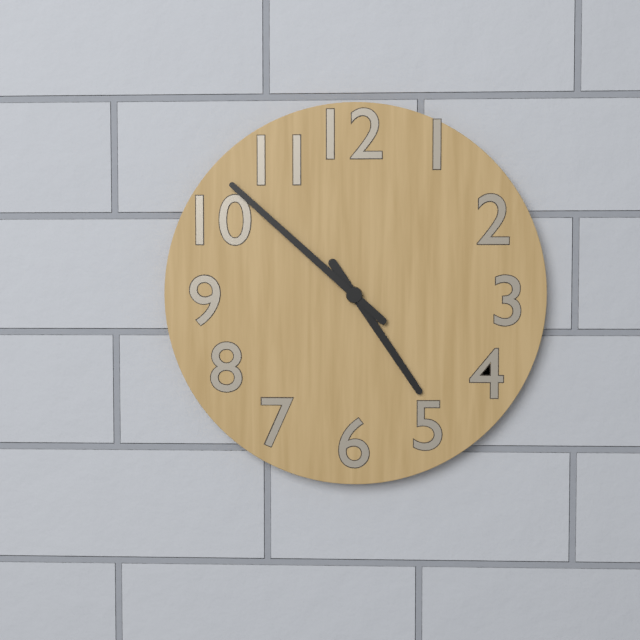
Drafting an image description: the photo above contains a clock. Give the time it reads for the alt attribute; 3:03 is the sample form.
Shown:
4:52
